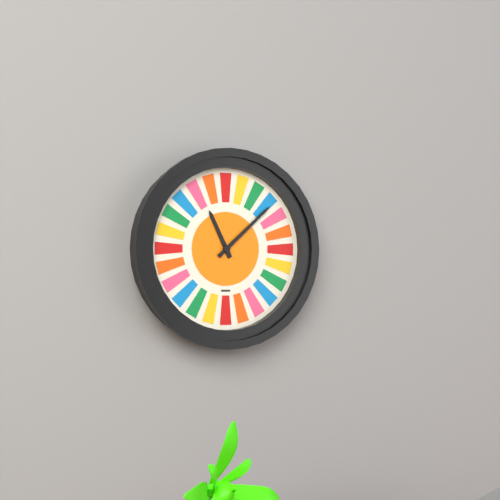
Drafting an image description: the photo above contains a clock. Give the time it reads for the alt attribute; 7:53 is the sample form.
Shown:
11:08
